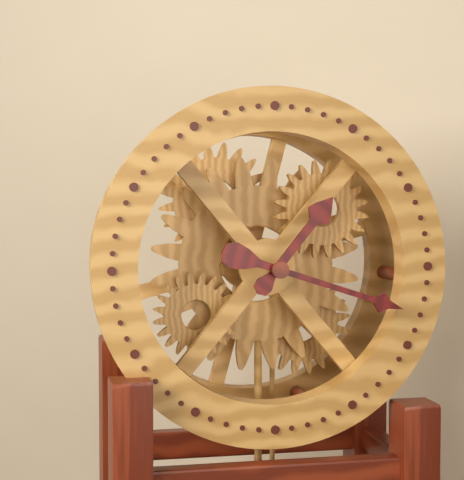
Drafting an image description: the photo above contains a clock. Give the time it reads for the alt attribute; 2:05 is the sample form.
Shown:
1:18
